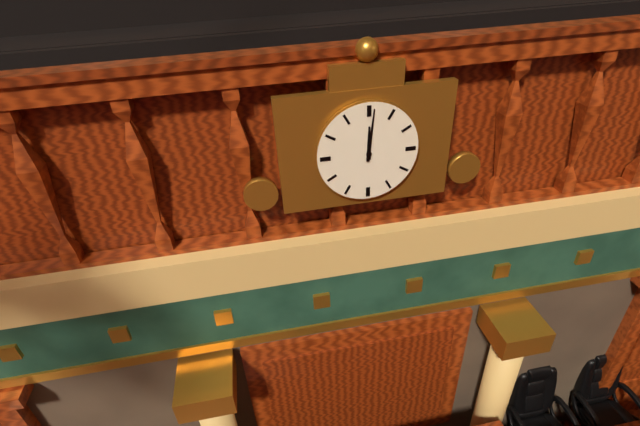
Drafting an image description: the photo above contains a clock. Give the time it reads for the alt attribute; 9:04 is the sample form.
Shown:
12:01
